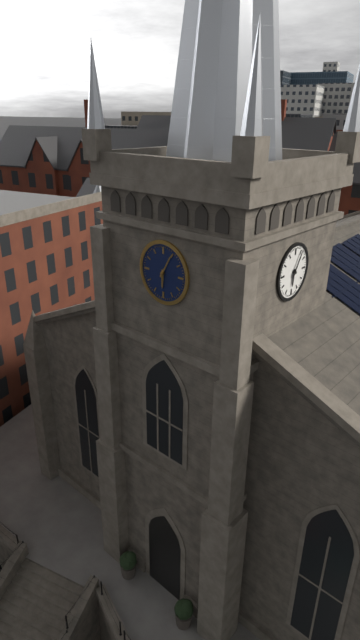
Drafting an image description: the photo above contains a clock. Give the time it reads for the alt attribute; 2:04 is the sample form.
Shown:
6:05
